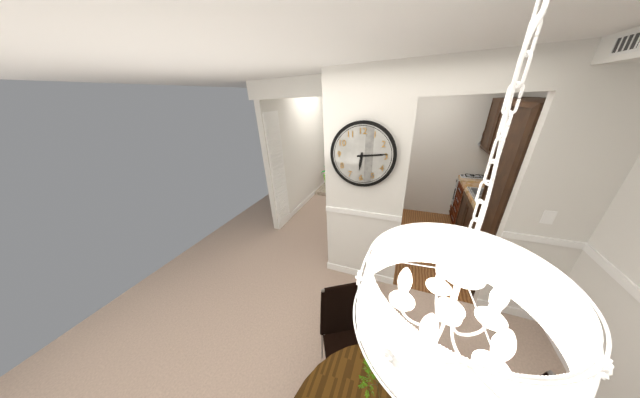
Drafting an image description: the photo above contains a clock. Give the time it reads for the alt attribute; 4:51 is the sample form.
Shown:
6:14
